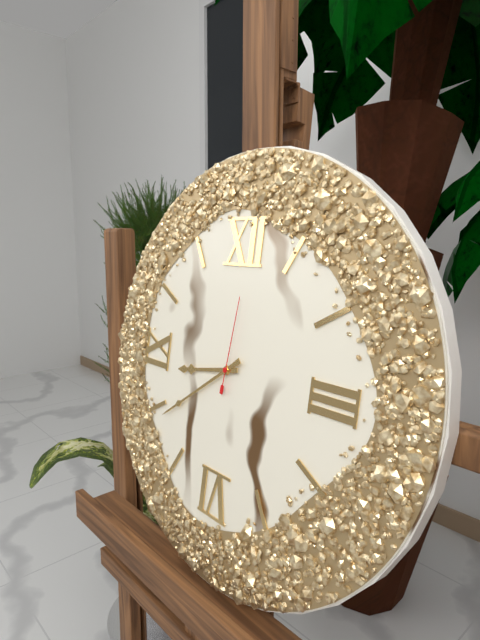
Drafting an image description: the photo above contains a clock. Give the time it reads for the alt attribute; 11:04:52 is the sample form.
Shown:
8:39:01
